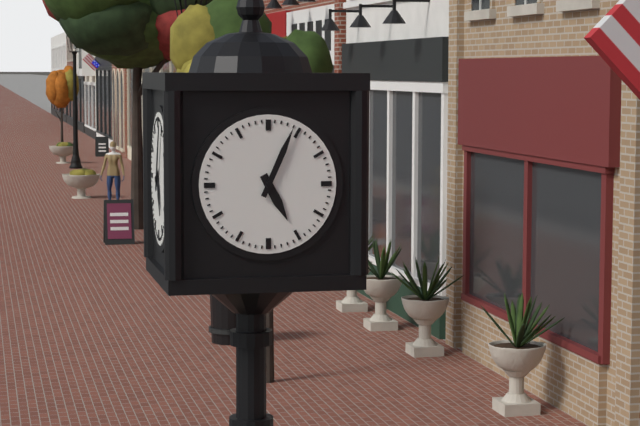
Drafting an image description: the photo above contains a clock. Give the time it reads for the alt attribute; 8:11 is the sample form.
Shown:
5:04
